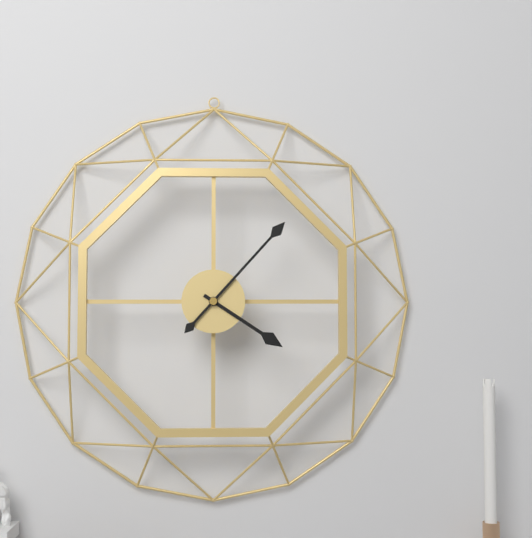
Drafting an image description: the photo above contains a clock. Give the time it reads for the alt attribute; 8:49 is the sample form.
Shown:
4:07
